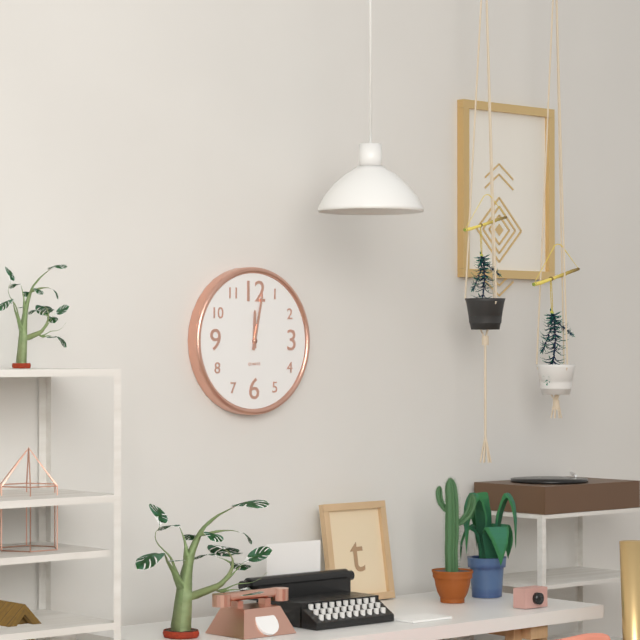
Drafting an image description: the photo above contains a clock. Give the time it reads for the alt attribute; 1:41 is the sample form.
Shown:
12:02
